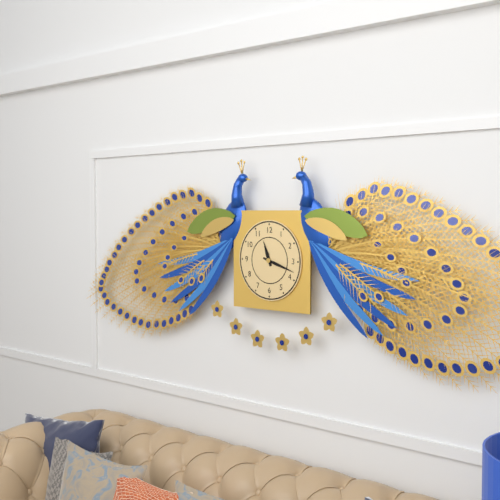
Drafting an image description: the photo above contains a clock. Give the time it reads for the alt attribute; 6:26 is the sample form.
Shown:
11:18
